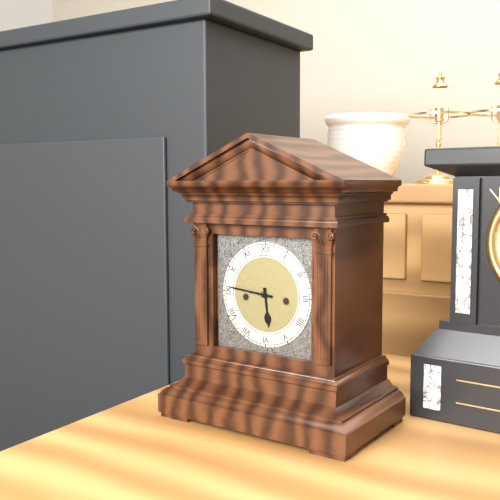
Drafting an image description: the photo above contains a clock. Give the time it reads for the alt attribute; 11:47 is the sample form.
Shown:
5:46
